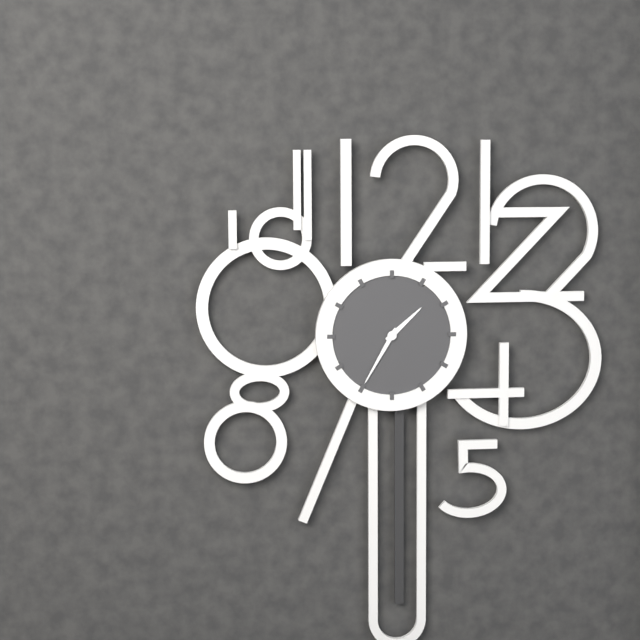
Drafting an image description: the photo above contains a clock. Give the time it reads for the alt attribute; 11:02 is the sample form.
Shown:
1:35
